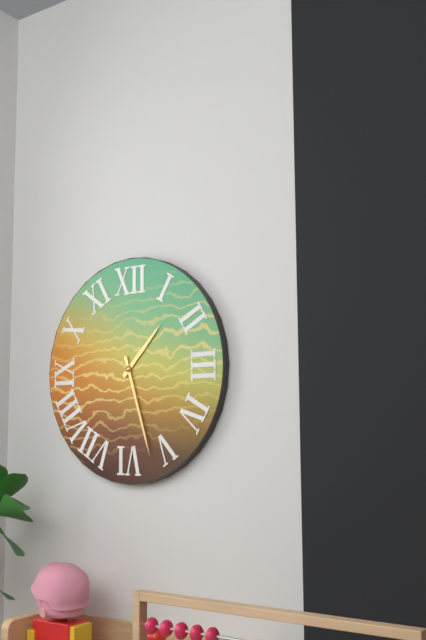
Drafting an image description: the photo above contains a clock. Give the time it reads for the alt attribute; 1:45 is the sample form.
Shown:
1:27
